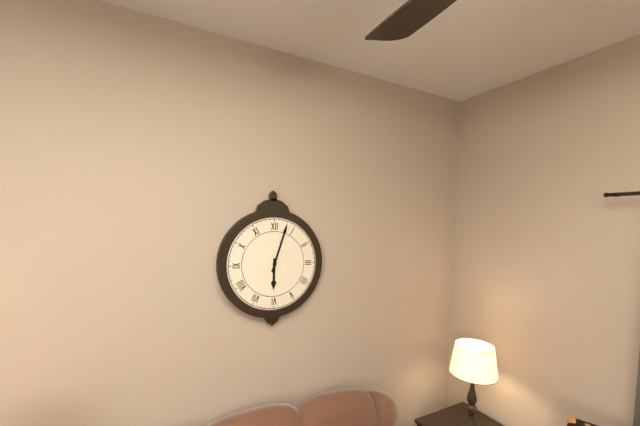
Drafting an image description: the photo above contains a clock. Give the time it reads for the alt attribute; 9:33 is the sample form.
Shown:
6:03
